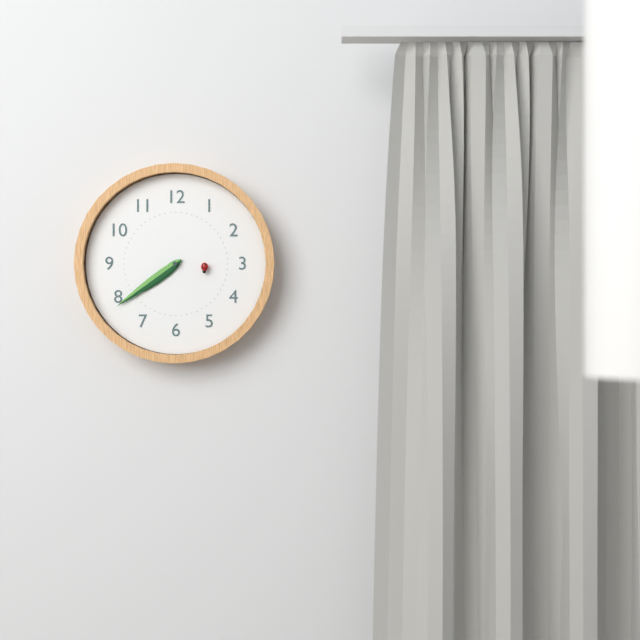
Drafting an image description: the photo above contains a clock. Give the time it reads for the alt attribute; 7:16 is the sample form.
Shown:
7:39
